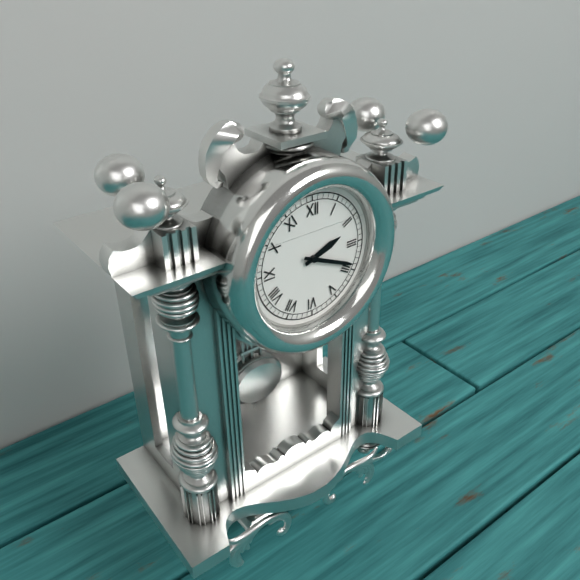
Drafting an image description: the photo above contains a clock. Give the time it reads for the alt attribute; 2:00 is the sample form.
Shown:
2:19
